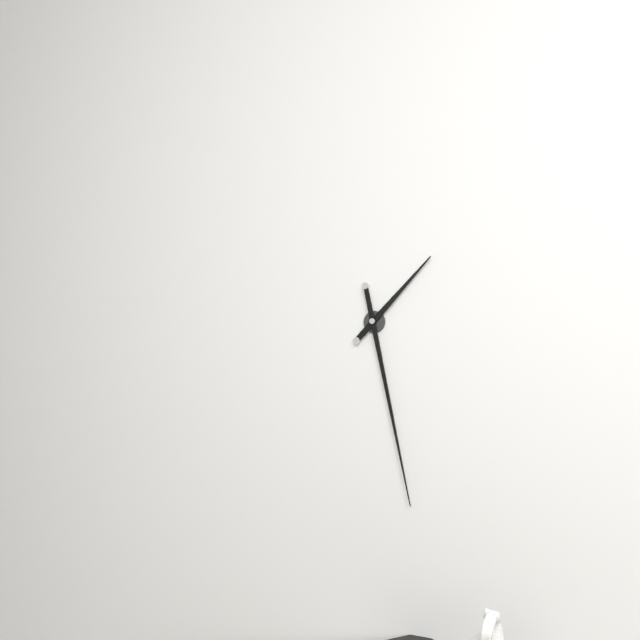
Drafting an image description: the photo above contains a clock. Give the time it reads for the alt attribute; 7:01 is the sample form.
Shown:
1:28
